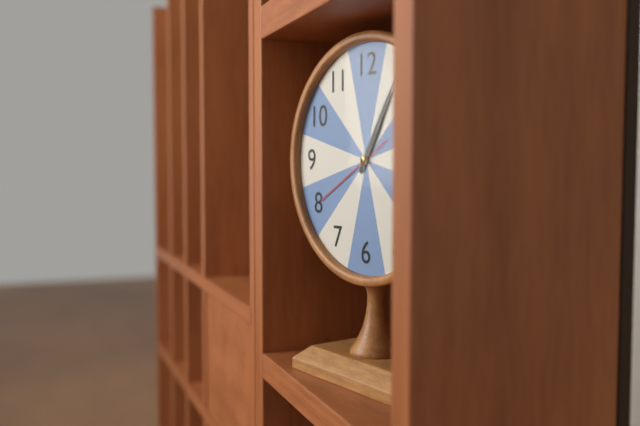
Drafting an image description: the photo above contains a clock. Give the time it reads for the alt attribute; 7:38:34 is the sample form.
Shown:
1:05:40
